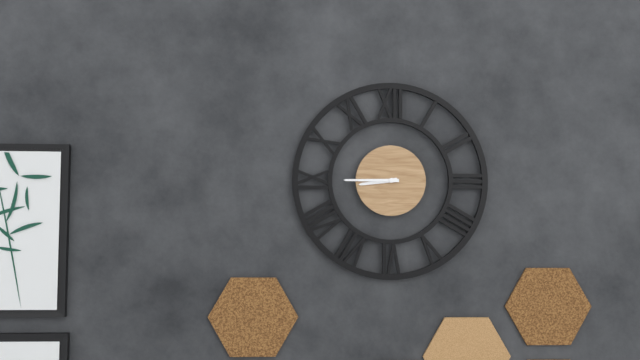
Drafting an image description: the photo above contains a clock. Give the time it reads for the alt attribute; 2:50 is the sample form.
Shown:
8:45
